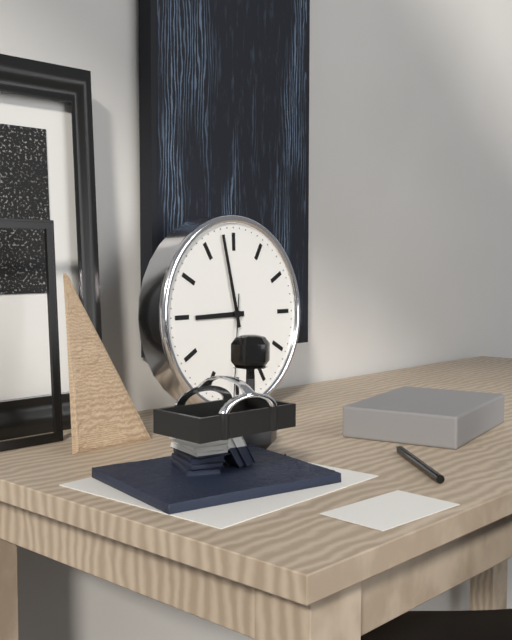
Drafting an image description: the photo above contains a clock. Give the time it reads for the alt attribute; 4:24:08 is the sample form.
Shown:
8:58:31
